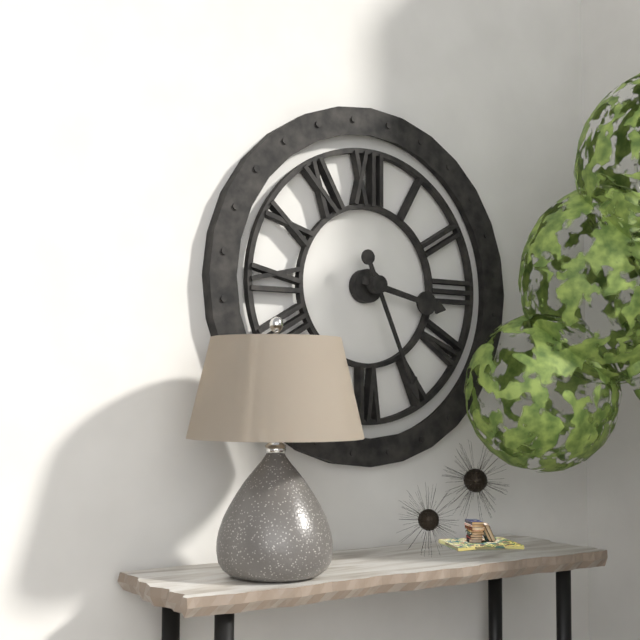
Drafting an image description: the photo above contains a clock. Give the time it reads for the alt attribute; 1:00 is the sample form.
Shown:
3:26
